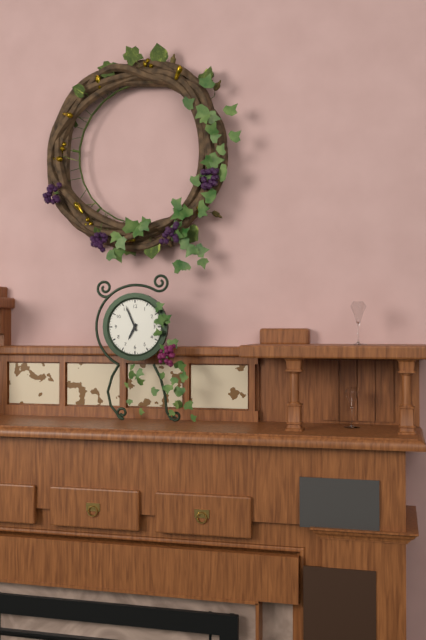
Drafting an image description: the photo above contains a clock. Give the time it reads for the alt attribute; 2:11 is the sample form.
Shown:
6:56
